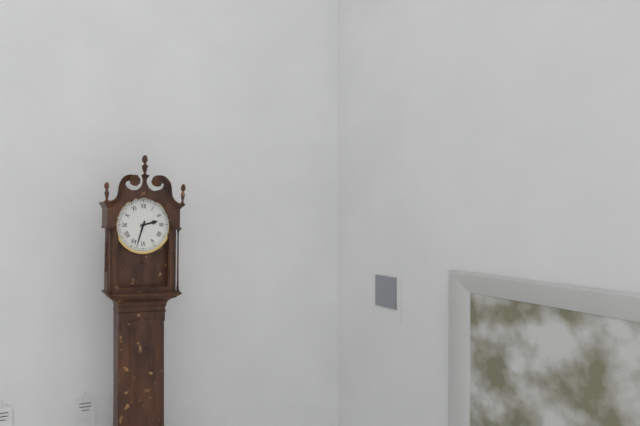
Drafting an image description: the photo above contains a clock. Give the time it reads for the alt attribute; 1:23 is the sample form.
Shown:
2:33
